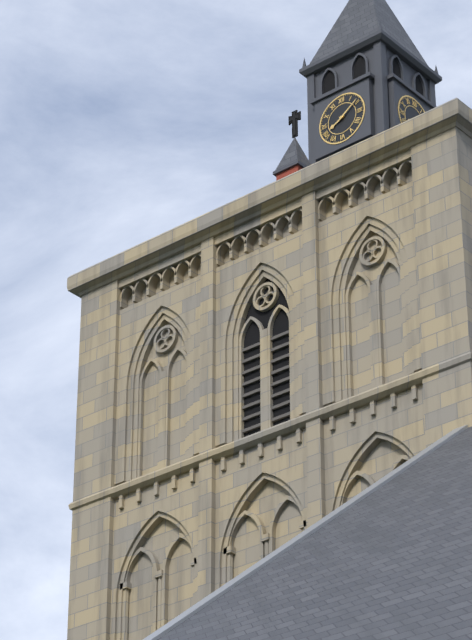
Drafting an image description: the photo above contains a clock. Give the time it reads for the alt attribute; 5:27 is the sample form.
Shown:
8:09
